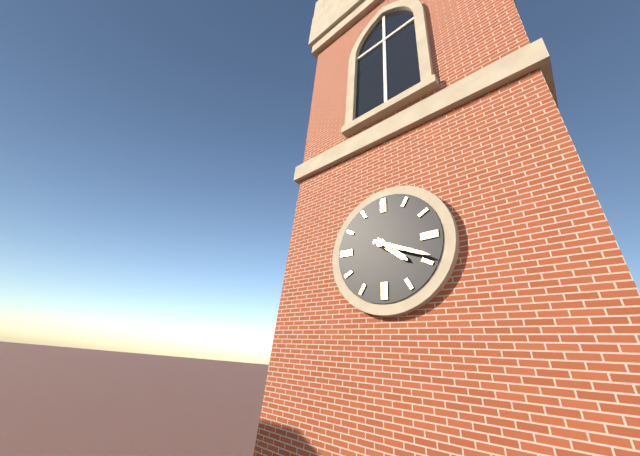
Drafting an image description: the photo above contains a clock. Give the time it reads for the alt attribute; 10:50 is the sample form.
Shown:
4:19
